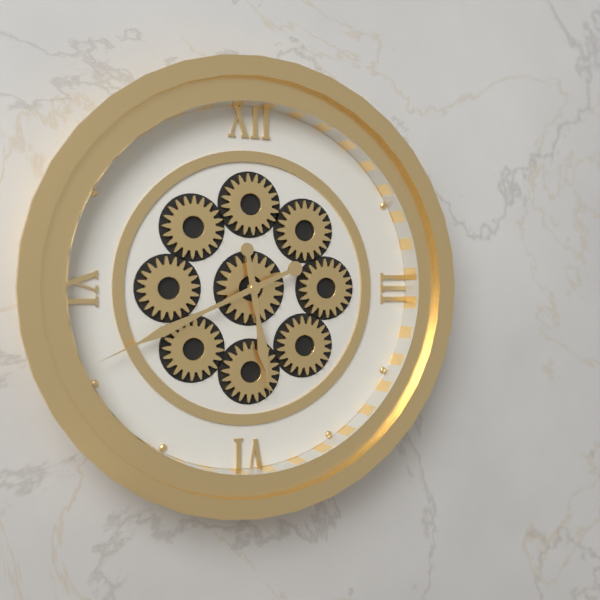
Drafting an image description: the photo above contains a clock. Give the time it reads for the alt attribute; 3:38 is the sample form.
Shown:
5:41
